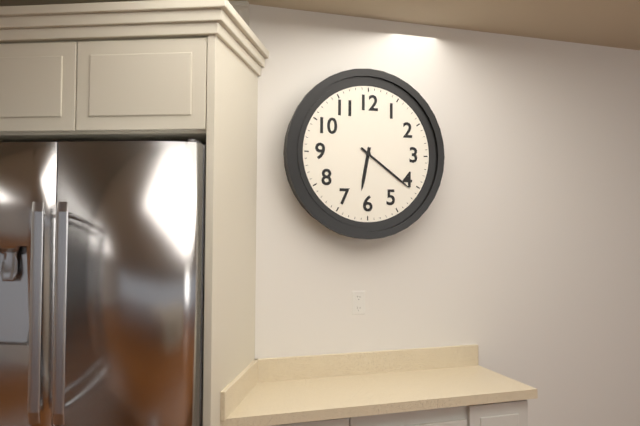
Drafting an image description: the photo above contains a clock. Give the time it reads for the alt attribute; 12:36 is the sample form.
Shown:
6:21
